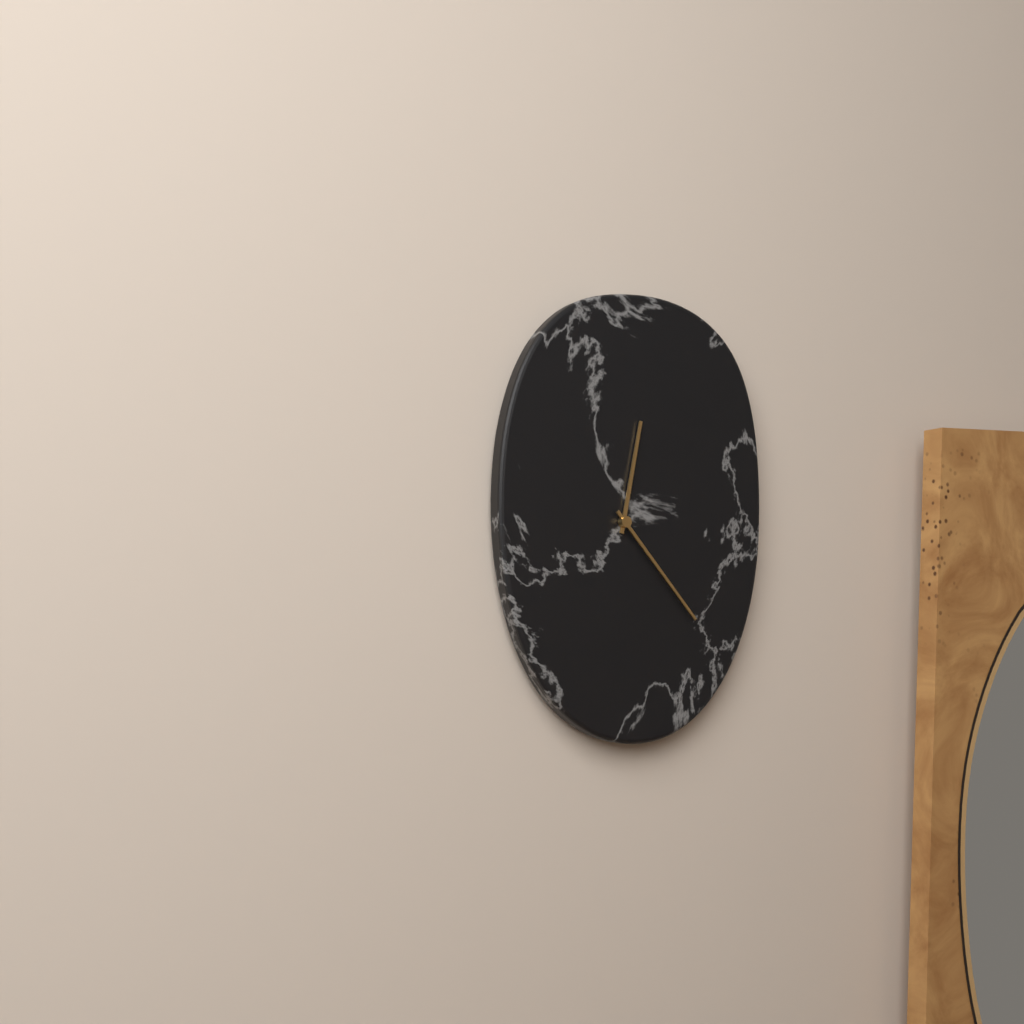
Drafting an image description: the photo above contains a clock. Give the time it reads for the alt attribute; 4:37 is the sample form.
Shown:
12:23
